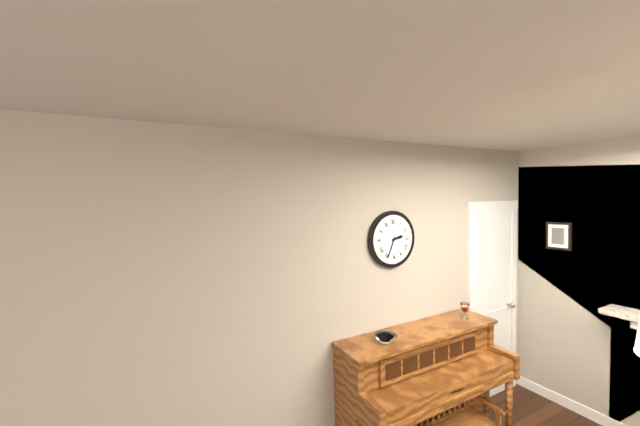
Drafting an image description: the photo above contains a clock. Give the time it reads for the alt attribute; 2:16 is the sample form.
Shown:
2:34
